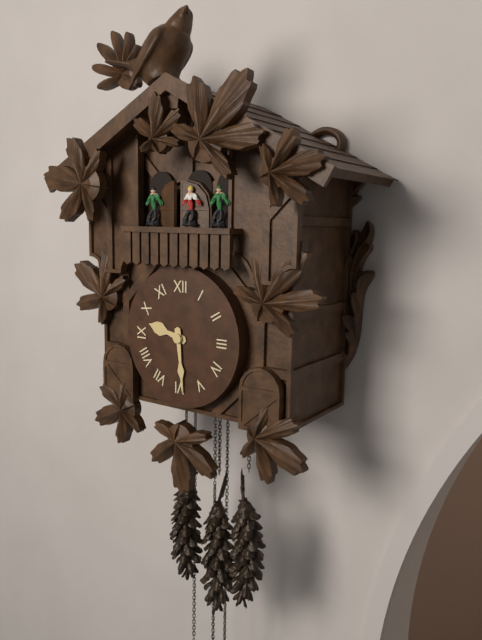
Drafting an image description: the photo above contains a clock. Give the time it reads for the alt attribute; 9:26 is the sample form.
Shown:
9:29
